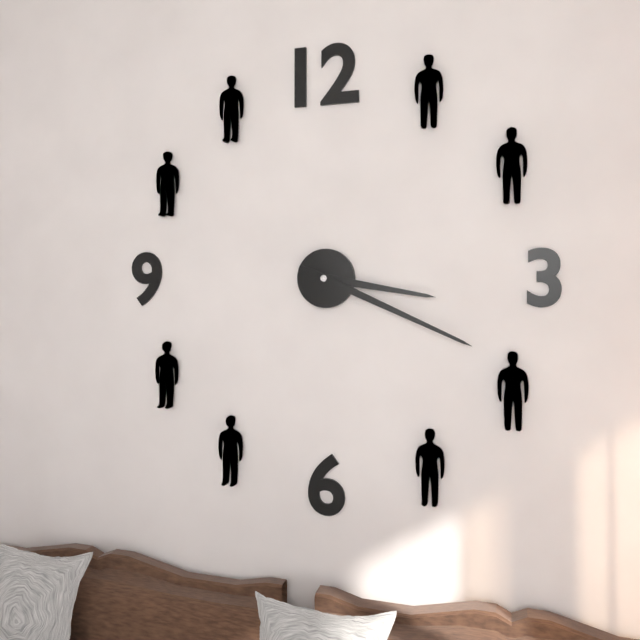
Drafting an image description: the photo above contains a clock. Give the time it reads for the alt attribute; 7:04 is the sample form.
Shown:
3:19
